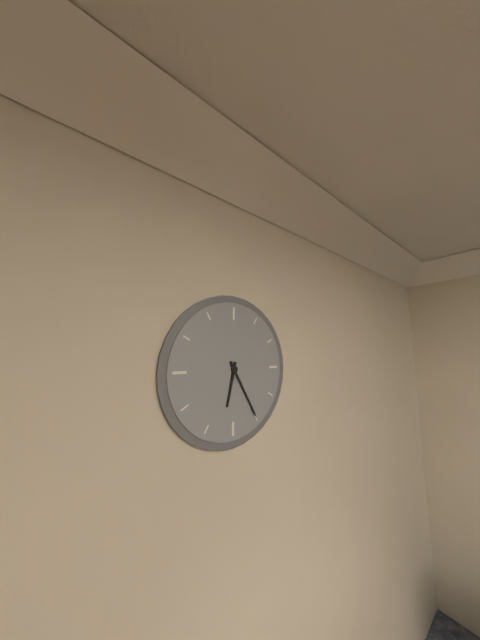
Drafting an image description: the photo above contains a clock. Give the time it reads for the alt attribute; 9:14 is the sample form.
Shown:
6:25
